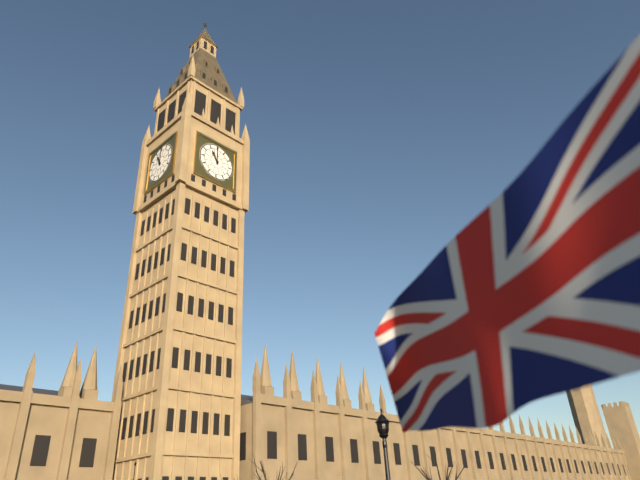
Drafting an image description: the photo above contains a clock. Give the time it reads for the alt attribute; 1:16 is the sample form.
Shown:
11:00
